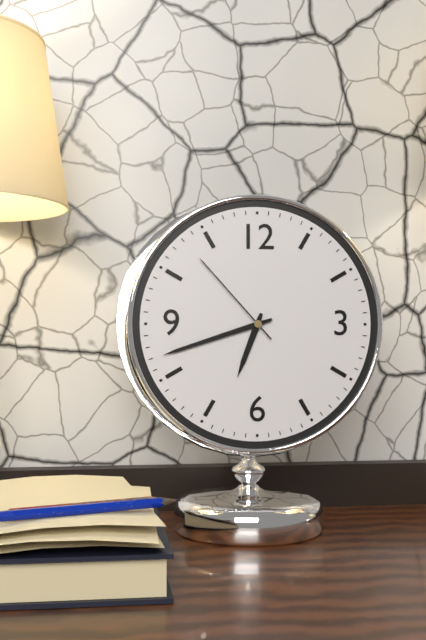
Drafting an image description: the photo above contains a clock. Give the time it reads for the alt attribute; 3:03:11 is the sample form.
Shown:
6:42:53
